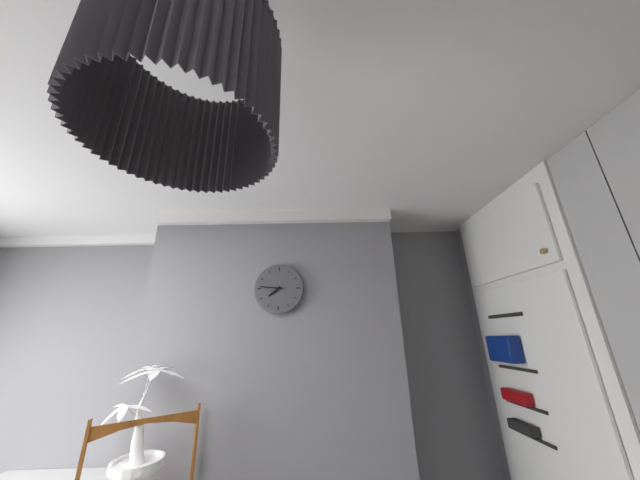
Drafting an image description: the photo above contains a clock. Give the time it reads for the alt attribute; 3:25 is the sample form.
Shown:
7:46
